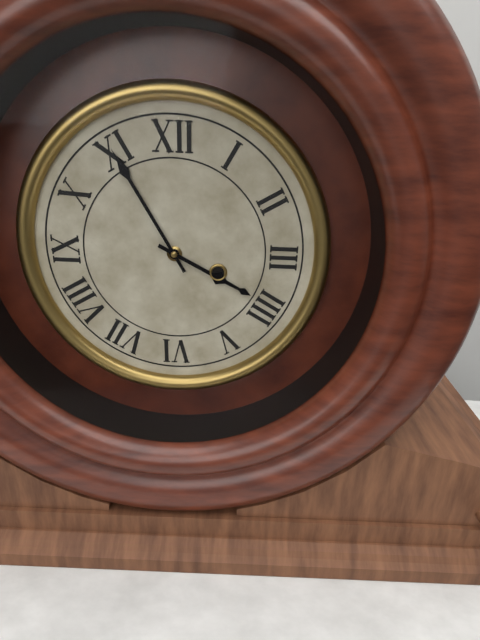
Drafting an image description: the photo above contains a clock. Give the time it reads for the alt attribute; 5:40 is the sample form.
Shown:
3:55
